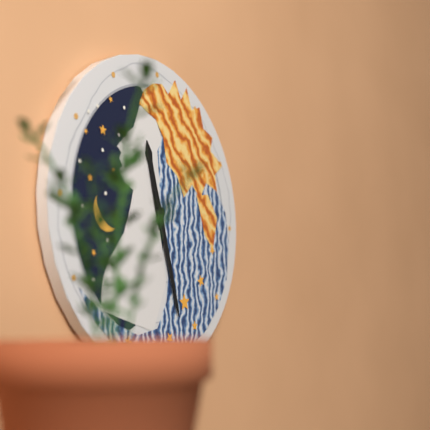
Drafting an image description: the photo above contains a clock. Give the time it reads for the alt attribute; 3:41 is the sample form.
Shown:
11:27
